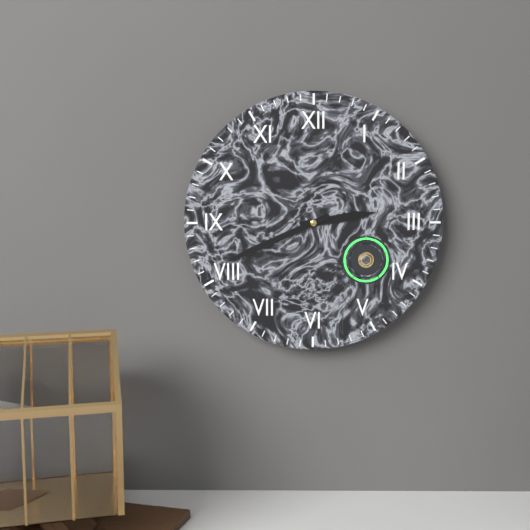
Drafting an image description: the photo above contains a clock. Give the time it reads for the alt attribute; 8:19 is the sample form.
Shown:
2:41
